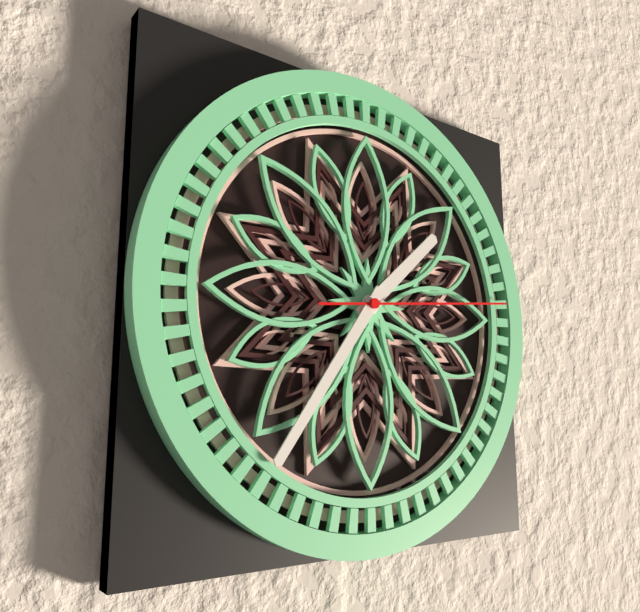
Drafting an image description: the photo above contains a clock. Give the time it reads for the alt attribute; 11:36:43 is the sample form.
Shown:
1:36:14
